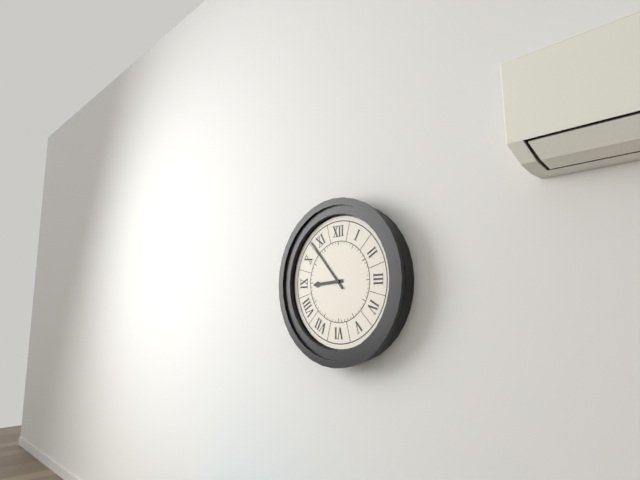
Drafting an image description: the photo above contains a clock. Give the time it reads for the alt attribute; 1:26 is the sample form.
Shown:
8:53
